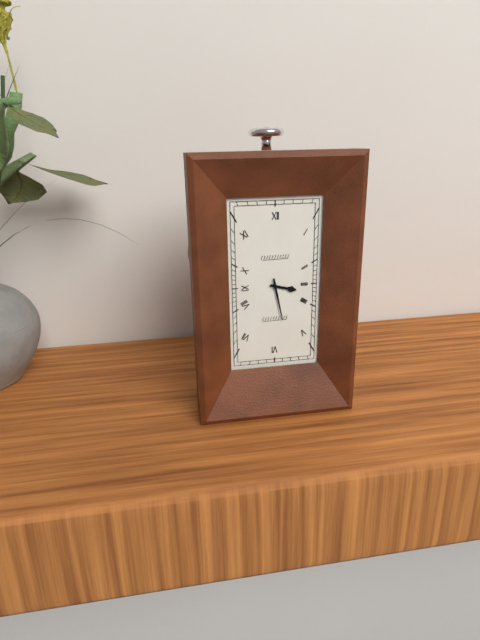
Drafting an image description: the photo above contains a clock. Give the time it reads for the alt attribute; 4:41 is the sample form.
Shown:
3:28
